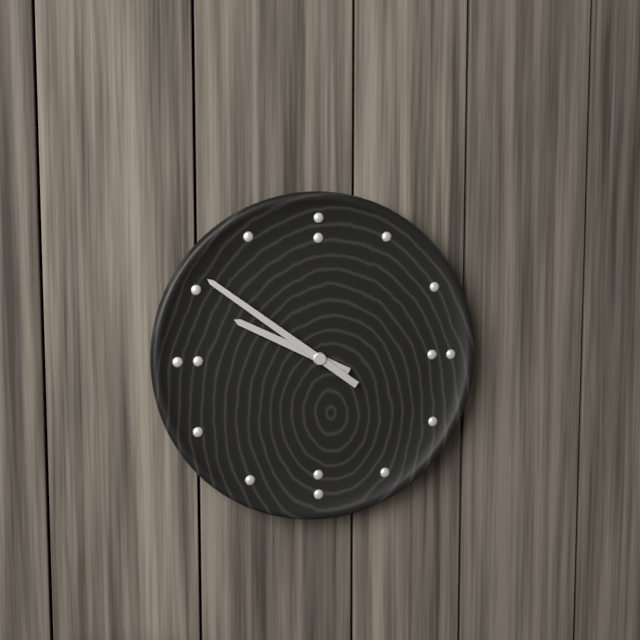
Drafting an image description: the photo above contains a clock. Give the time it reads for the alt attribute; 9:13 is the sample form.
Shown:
9:51
